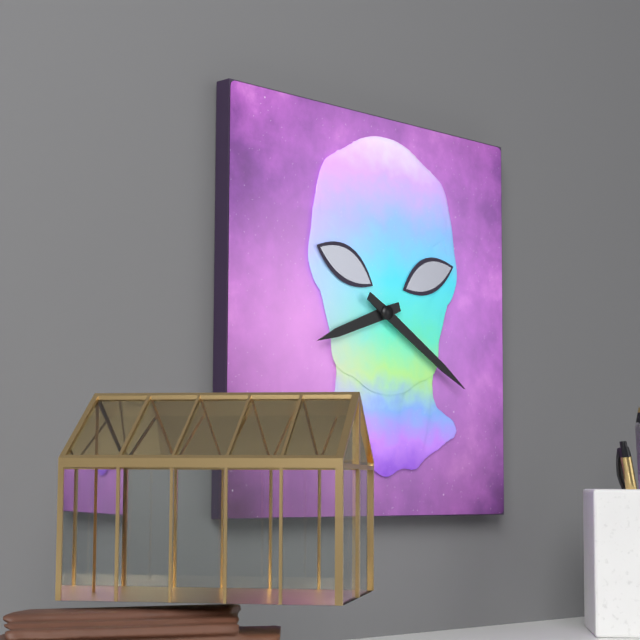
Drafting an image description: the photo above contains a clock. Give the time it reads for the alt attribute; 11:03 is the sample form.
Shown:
8:20
